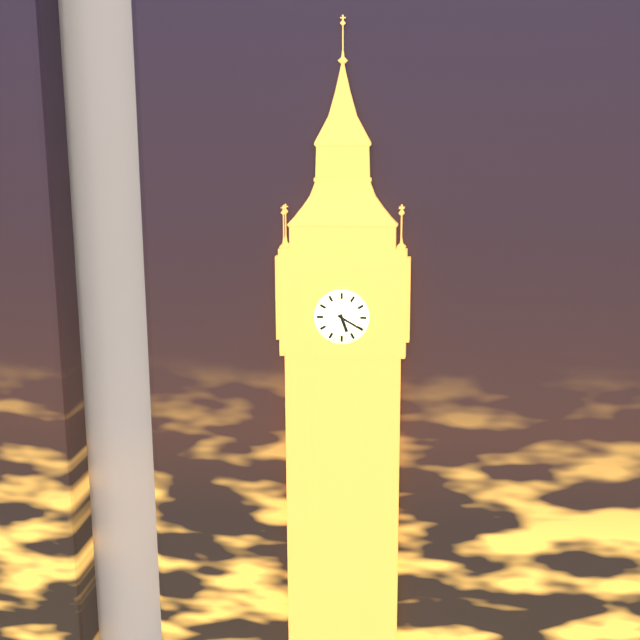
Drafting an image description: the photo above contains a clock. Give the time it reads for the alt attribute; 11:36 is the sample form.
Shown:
5:20
